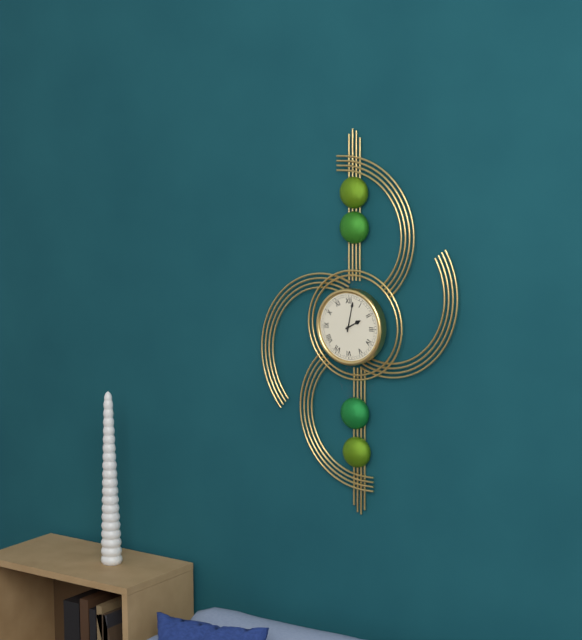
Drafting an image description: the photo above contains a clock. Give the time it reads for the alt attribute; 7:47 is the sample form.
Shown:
2:02
